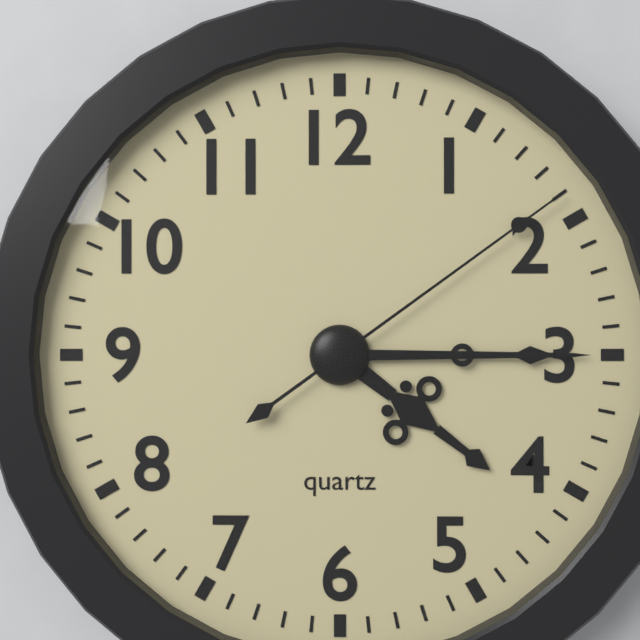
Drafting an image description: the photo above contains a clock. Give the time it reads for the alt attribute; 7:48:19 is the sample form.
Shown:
4:15:09
